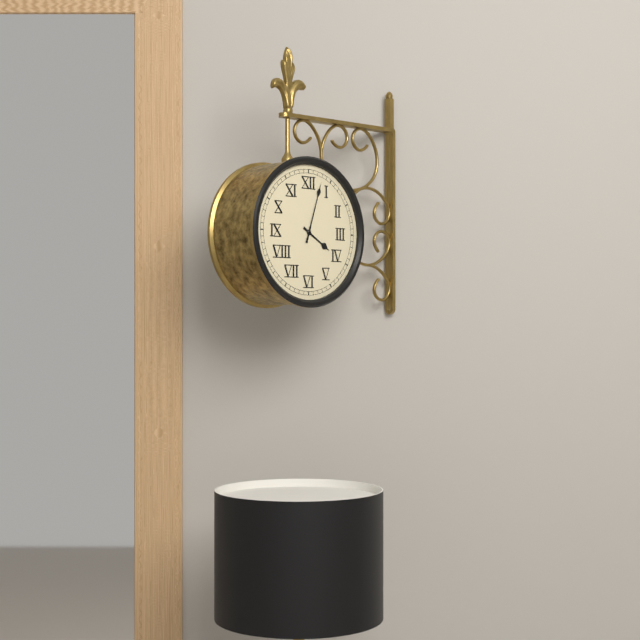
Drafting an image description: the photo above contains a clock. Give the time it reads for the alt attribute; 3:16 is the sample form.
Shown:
4:03
